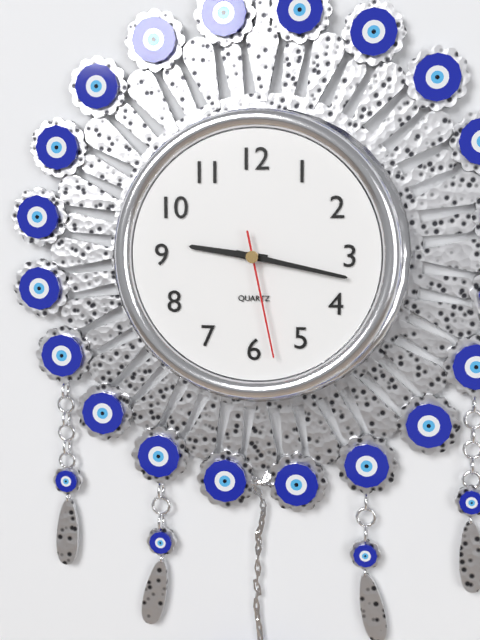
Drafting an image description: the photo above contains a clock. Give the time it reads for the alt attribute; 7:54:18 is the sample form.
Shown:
9:17:28
